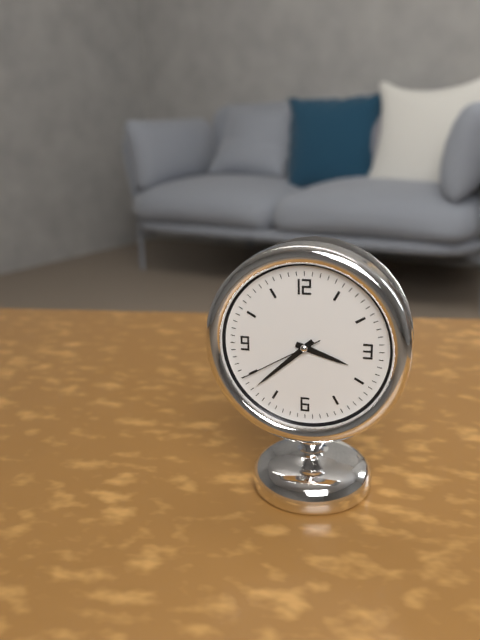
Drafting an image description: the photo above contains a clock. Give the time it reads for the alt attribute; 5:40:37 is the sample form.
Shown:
3:38:40
